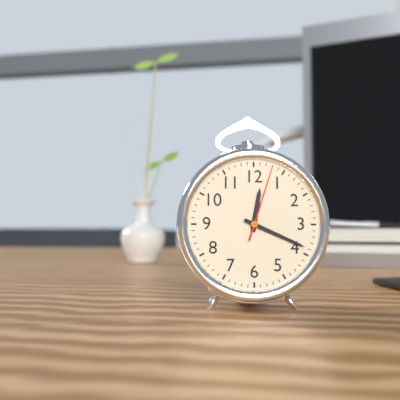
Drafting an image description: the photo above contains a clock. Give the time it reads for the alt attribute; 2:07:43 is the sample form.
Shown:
12:19:03
